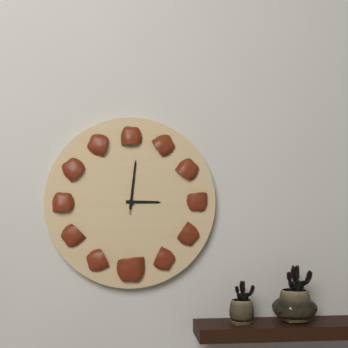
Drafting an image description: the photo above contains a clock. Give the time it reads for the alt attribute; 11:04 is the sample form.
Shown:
3:01
